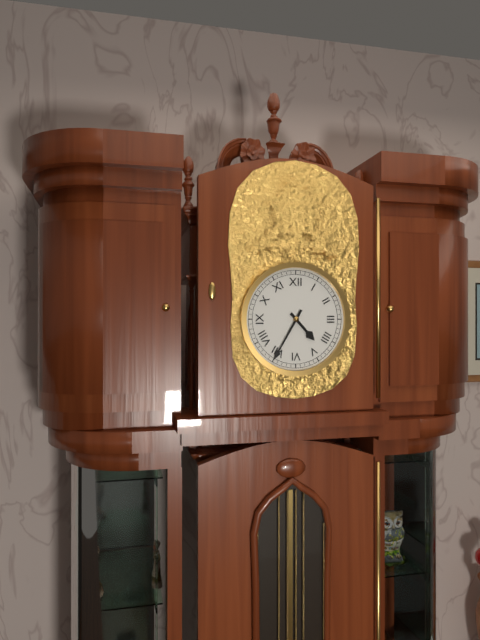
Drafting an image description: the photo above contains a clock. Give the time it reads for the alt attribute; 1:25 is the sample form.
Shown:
4:35
